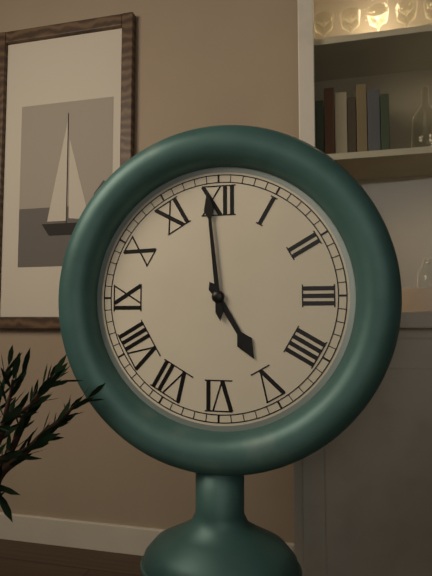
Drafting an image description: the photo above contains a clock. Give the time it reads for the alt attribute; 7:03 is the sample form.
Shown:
4:59
